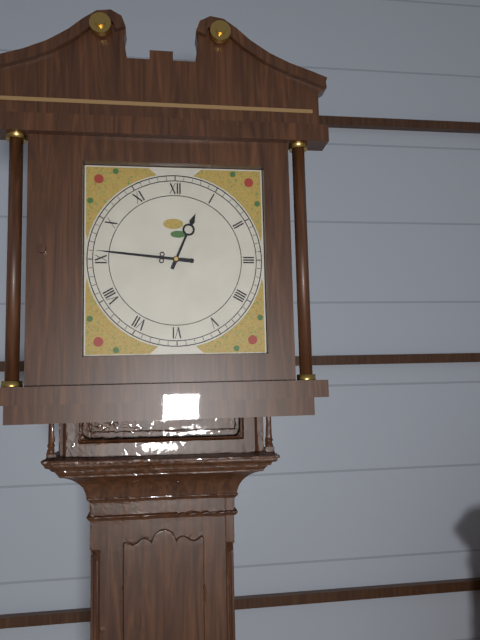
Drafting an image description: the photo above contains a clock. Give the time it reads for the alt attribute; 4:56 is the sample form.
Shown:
12:46
